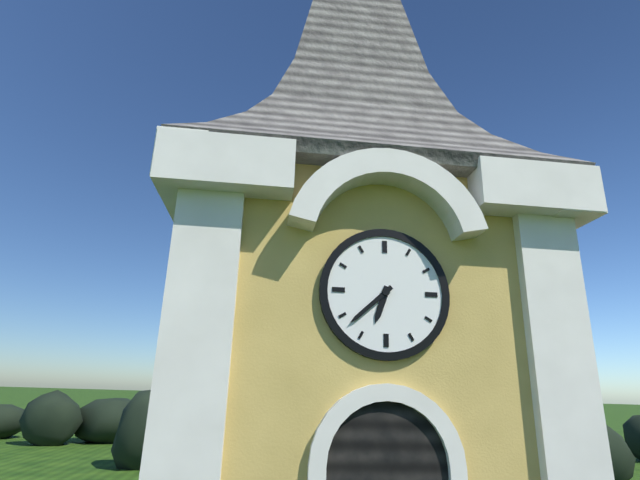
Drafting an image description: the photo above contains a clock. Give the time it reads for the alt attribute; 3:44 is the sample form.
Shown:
6:38
